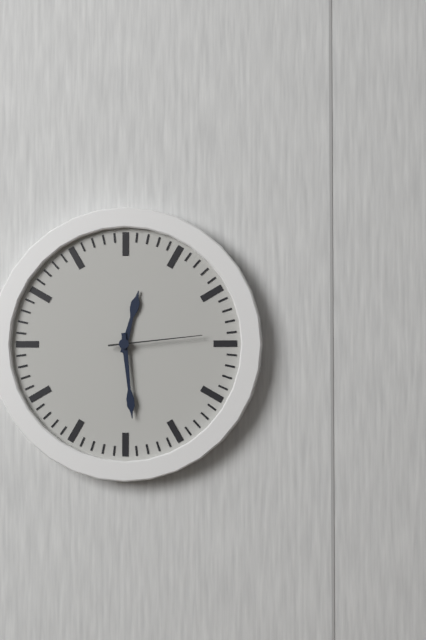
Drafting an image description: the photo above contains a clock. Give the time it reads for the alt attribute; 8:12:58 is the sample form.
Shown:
12:29:14
